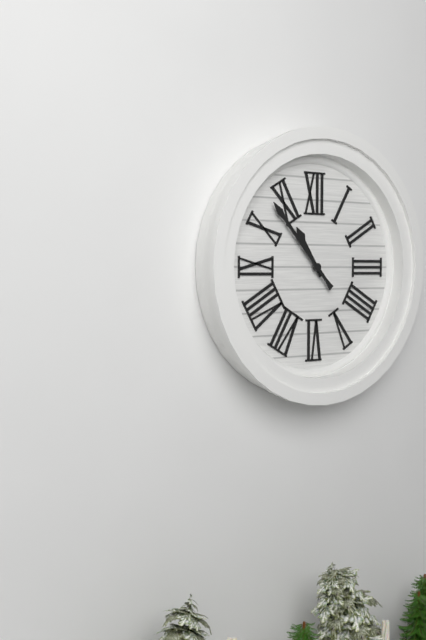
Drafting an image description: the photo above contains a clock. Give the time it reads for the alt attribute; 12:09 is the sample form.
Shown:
10:53
